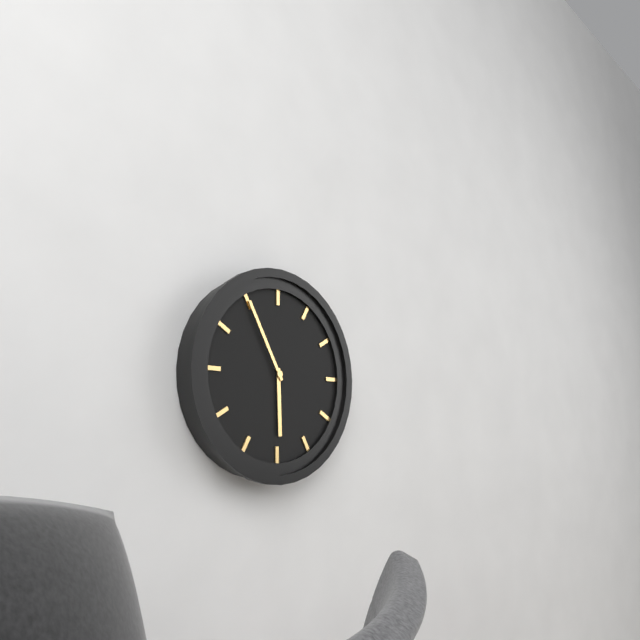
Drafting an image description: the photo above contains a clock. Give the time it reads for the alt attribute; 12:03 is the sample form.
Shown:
5:55
